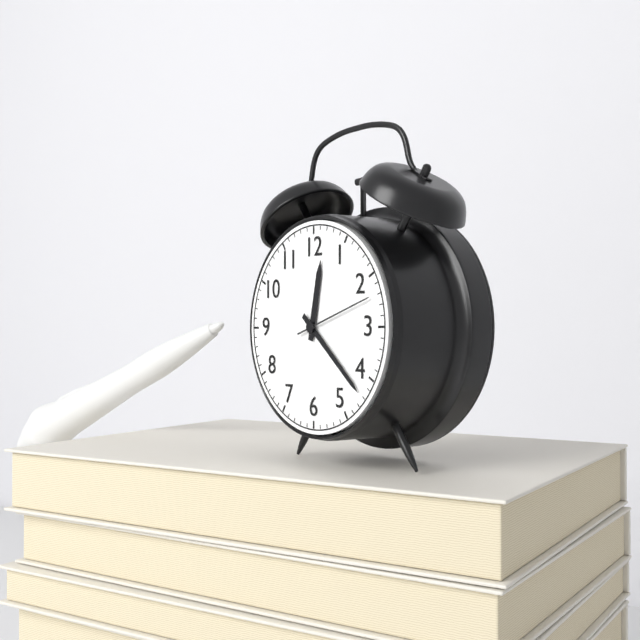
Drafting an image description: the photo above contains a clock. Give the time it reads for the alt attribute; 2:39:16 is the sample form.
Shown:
12:22:12
